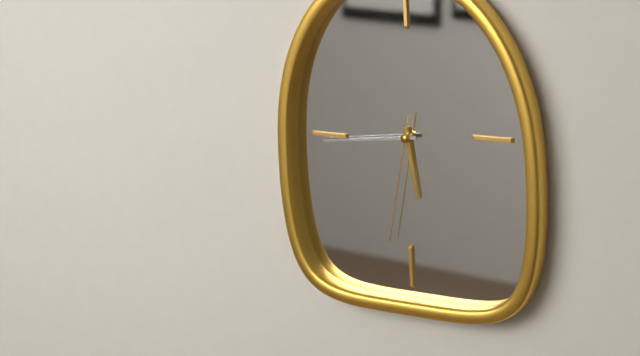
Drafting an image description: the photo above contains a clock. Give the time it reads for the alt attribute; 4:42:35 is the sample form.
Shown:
5:44:32
